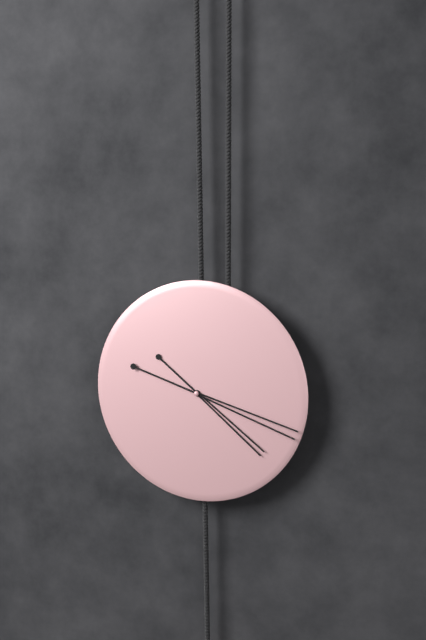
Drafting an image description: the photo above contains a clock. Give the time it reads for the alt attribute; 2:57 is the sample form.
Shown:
4:18
